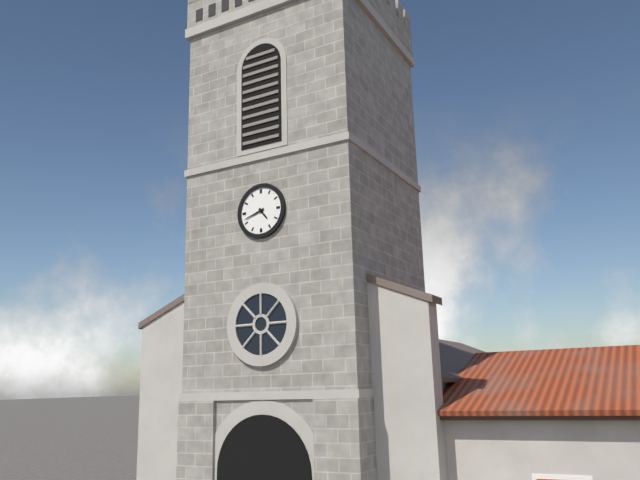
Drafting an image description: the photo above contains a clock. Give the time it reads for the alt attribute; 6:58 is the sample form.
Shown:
4:42
